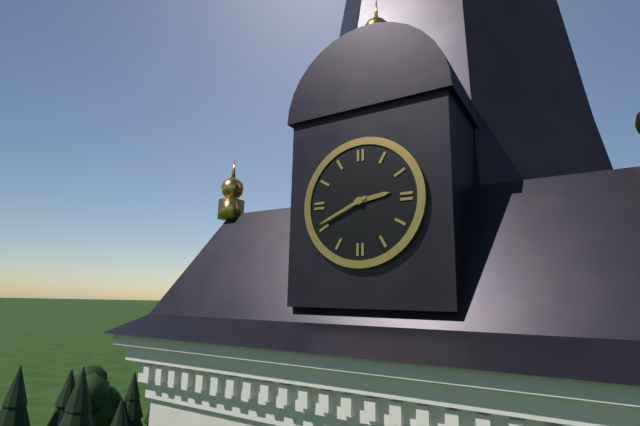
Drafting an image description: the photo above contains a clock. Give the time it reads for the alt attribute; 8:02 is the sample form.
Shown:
2:41
